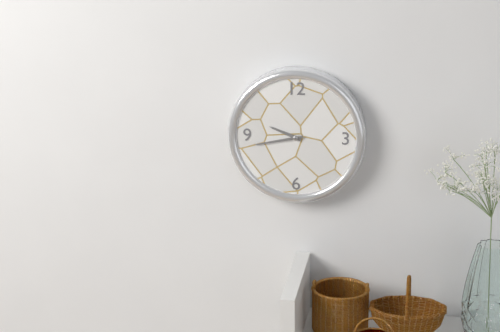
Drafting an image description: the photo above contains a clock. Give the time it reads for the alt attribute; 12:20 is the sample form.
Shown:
9:43
